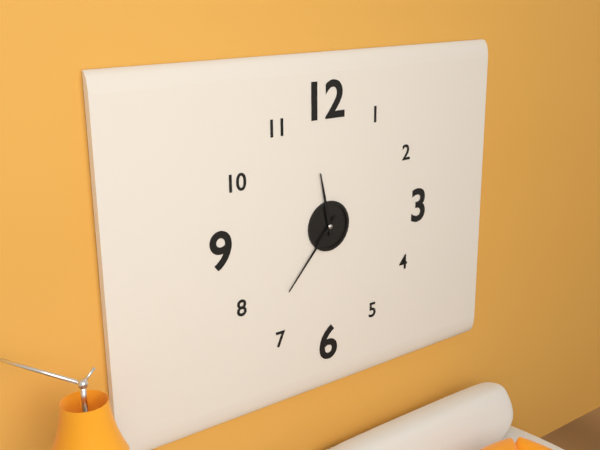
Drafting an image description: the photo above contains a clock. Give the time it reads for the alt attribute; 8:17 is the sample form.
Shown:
11:37
